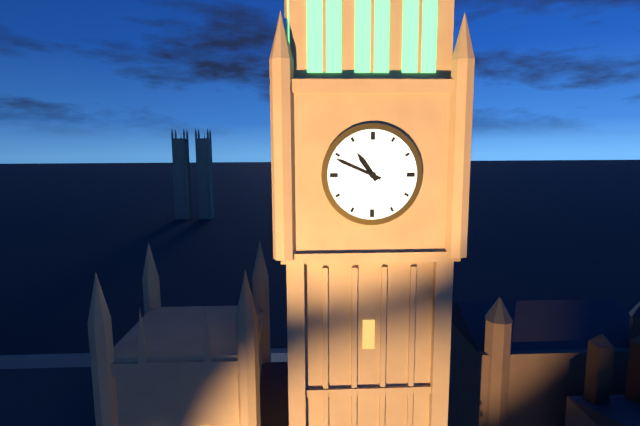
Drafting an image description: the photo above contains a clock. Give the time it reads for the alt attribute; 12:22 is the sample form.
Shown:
10:49
